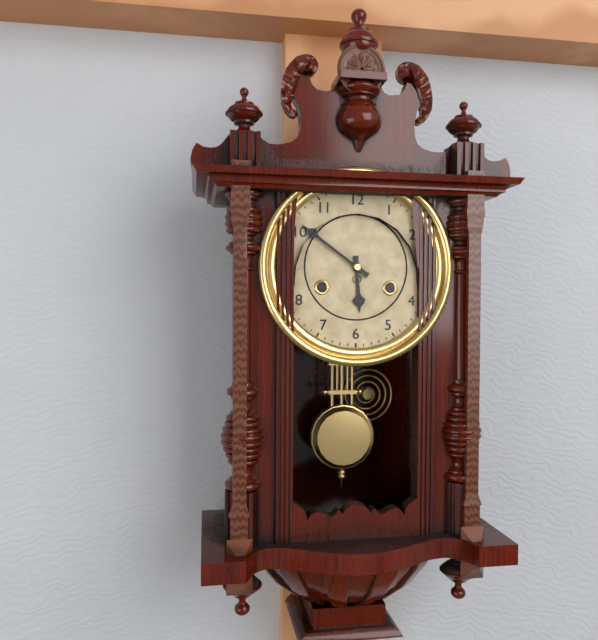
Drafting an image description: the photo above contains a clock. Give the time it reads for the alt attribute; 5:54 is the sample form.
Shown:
5:51
